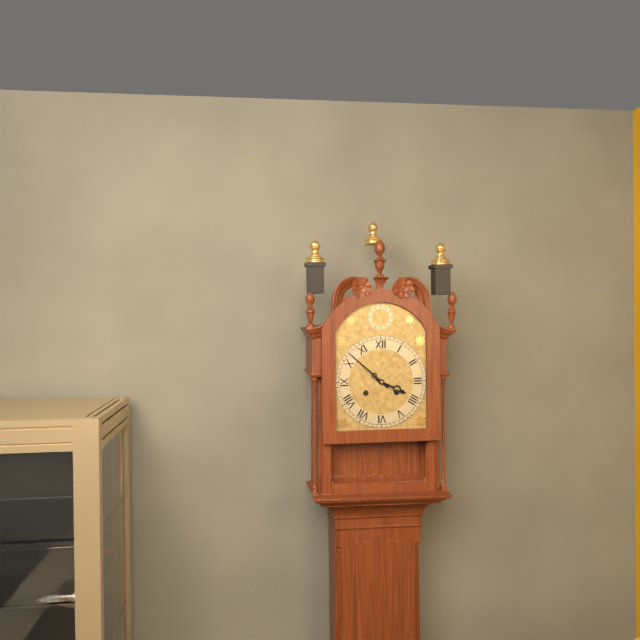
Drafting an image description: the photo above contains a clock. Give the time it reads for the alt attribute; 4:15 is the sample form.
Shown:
3:52
